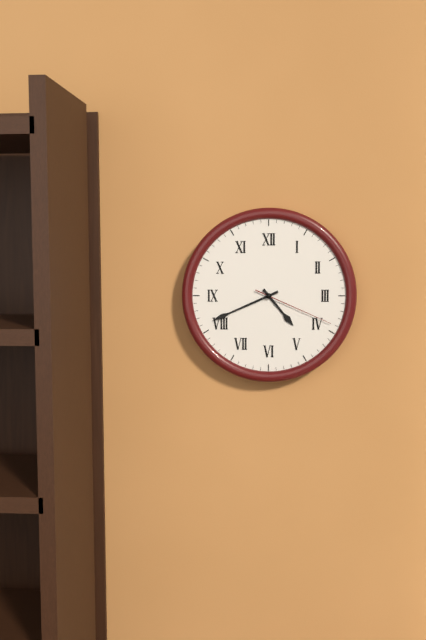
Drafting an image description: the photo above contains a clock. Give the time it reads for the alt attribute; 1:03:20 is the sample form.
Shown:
4:41:19
